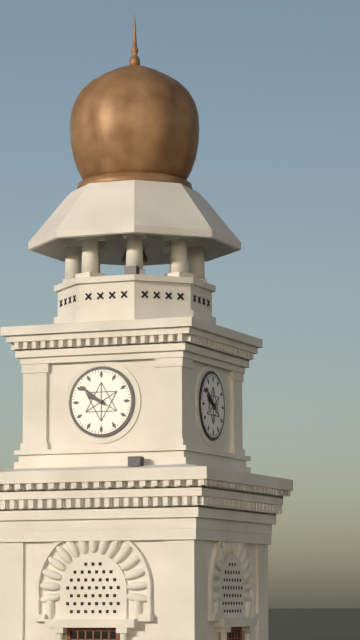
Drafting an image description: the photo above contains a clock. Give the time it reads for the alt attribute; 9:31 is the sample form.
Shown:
9:51
